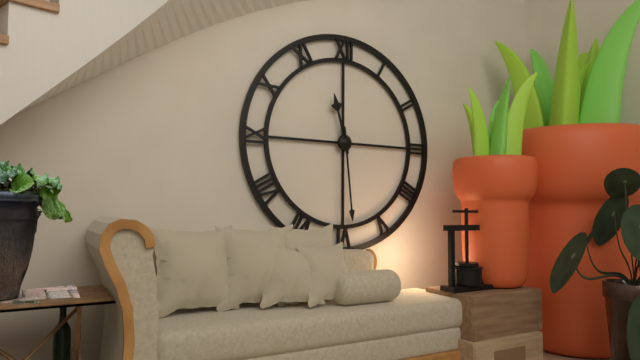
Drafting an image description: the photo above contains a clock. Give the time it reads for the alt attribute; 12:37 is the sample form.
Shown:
11:29
